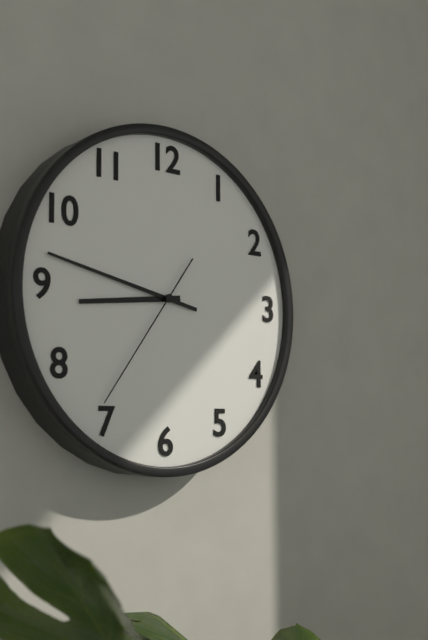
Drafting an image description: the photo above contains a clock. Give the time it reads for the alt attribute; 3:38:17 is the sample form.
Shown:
8:47:36
